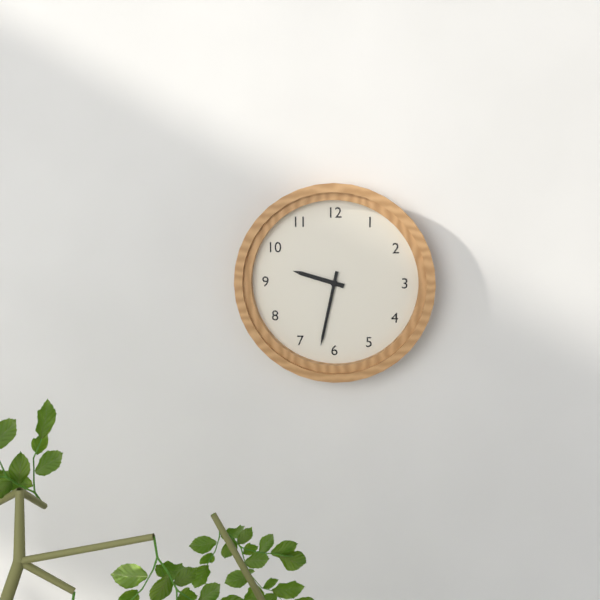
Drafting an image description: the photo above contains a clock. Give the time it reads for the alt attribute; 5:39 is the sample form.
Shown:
9:32
